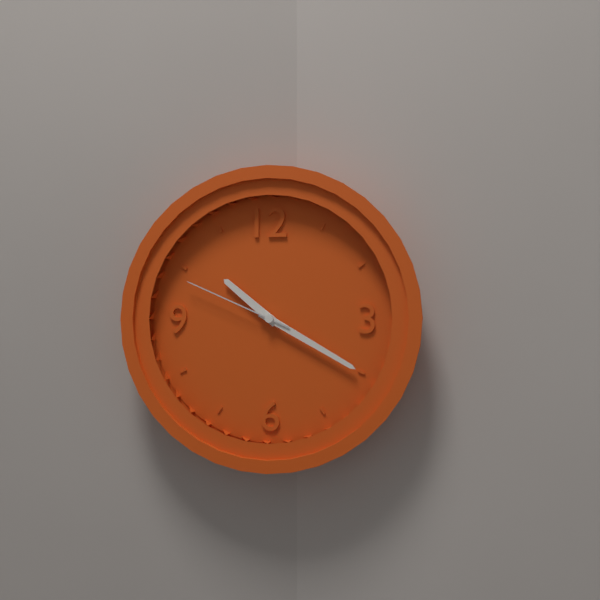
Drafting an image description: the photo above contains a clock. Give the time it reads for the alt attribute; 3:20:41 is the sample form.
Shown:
10:20:49
